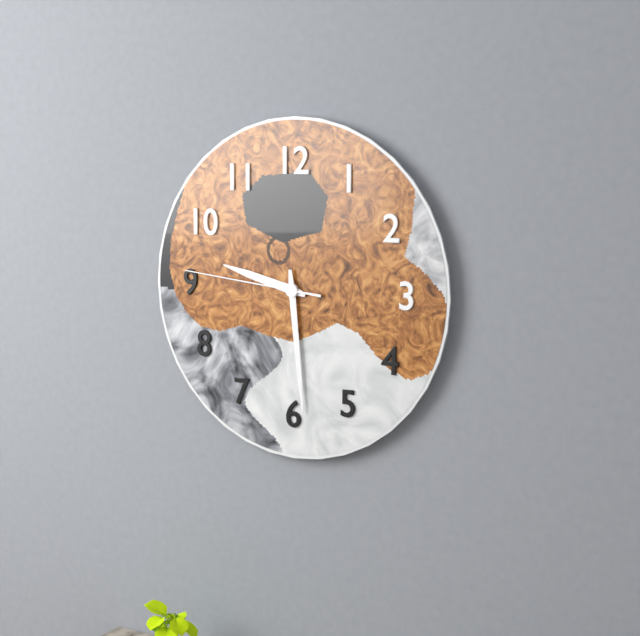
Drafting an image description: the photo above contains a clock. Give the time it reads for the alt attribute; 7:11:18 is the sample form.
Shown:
9:29:46
